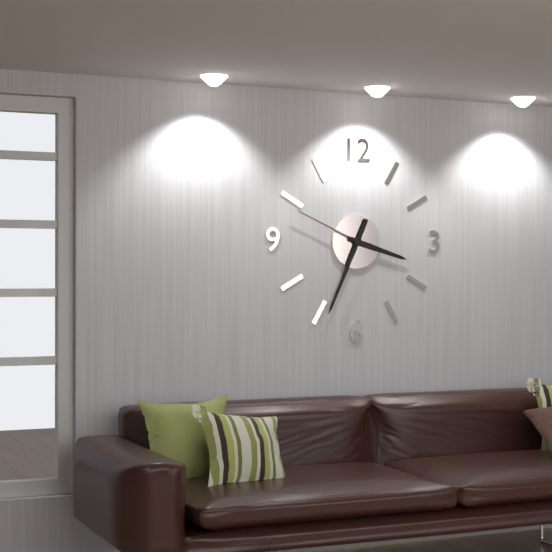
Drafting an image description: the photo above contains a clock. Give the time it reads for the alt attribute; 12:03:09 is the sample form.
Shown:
3:34:49
